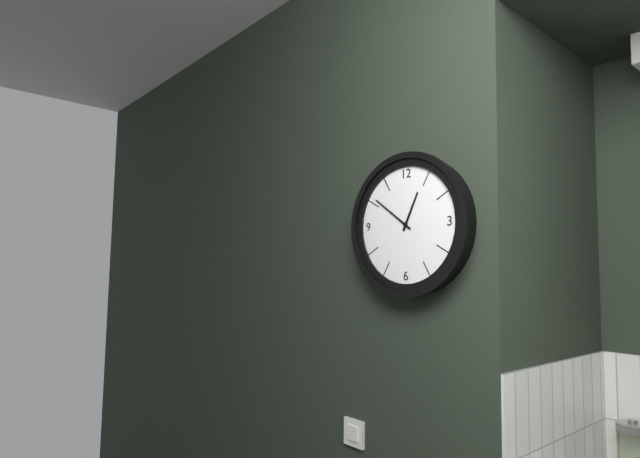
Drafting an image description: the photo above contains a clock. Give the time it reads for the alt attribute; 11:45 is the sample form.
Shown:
12:51
